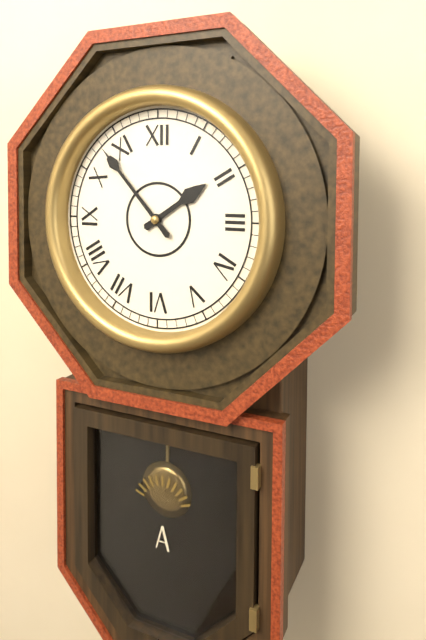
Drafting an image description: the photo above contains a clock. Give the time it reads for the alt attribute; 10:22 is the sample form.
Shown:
1:53
